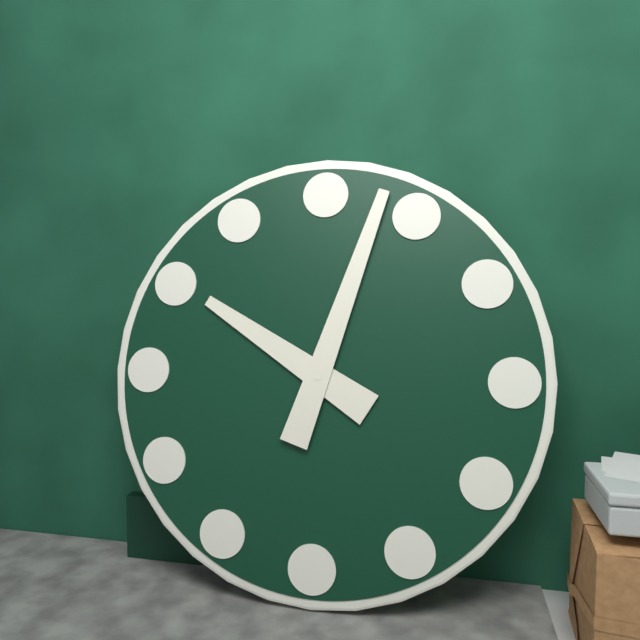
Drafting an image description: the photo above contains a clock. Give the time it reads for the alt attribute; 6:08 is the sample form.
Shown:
10:03
